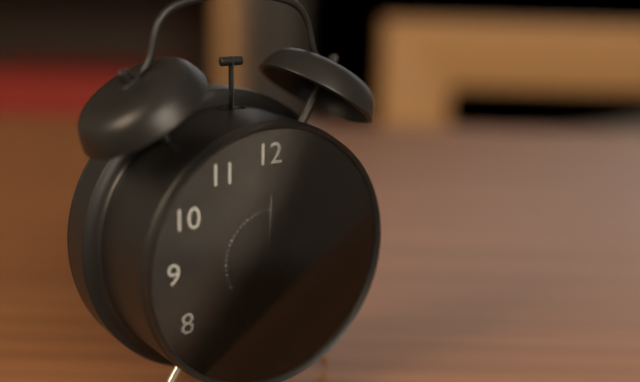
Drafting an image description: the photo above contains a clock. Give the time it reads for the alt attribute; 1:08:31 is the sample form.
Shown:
2:32:15
